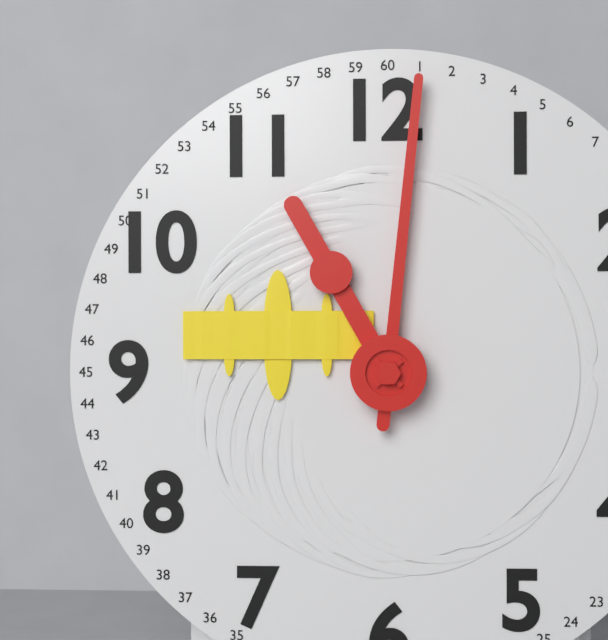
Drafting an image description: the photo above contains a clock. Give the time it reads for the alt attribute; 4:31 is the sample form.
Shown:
11:01
